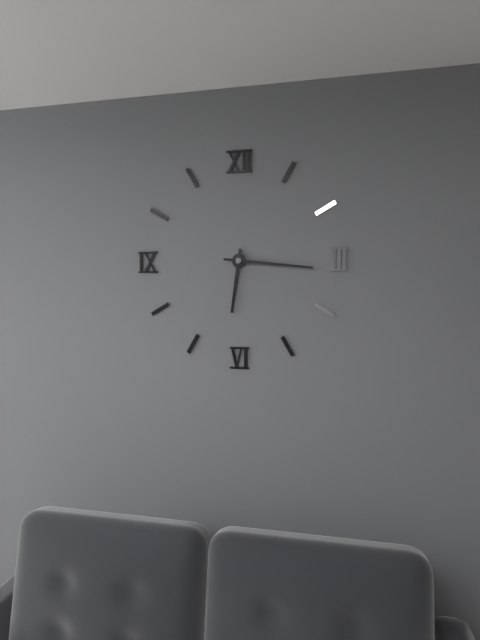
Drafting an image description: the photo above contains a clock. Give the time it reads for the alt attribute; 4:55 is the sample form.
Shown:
6:16
